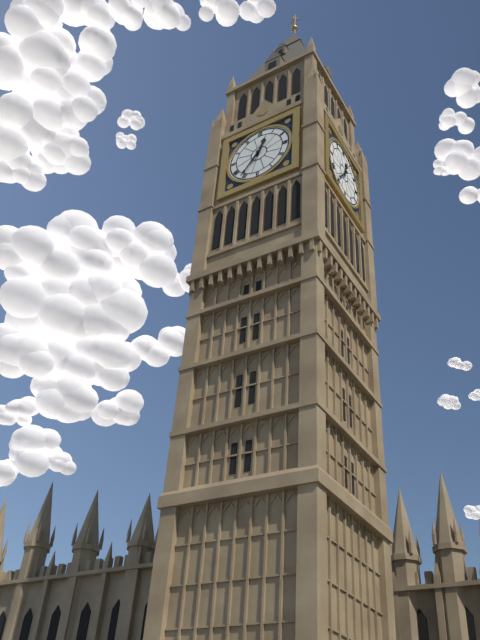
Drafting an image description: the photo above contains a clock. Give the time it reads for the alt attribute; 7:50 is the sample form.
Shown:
12:36
